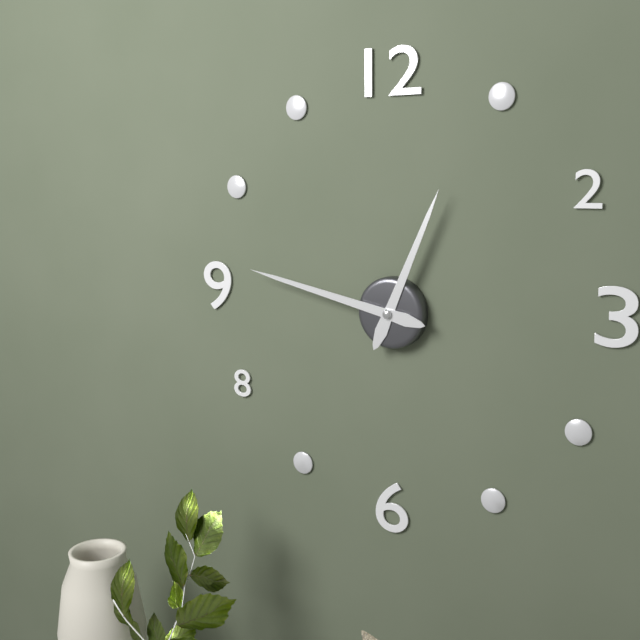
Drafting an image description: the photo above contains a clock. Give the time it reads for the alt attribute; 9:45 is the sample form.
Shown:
12:47
